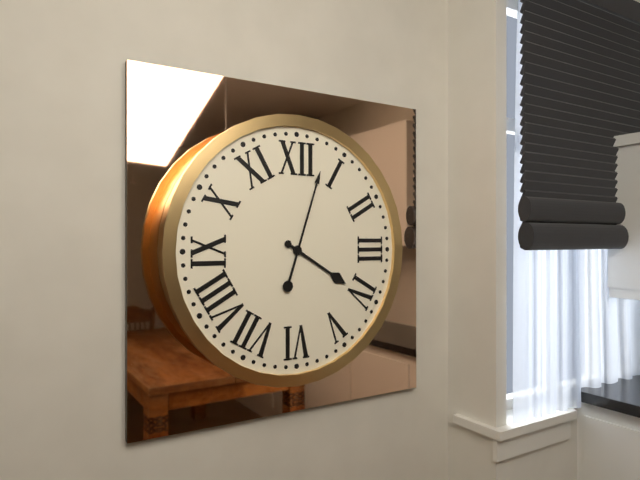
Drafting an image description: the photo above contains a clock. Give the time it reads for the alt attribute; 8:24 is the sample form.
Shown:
4:03
